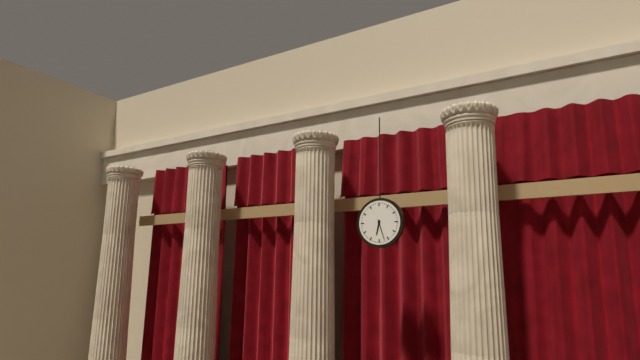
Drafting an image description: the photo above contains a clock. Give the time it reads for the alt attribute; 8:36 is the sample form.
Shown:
6:27
